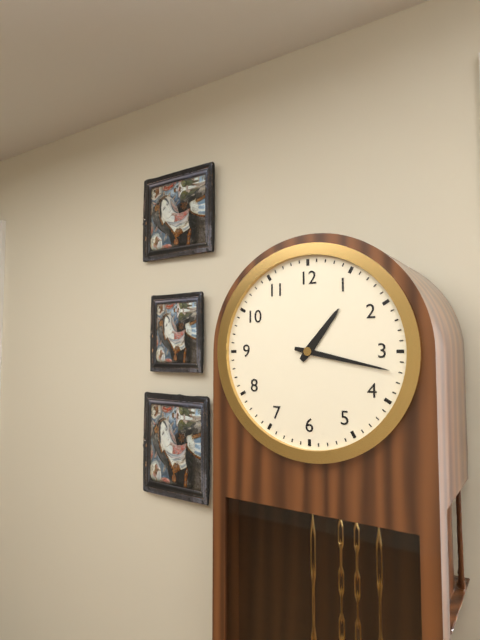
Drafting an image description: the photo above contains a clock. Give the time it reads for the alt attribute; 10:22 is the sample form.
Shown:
1:17
